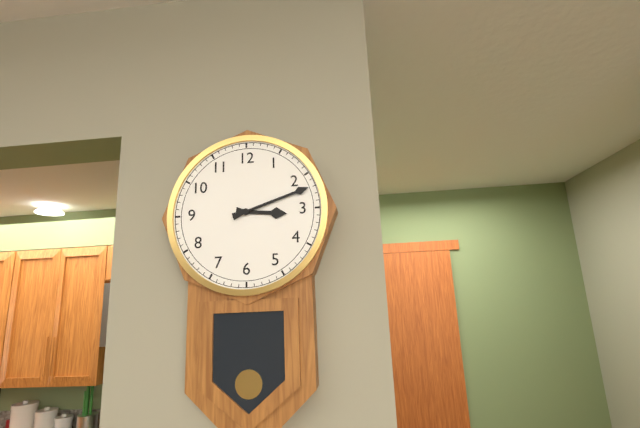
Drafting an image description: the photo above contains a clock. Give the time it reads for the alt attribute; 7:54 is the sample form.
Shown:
3:12
